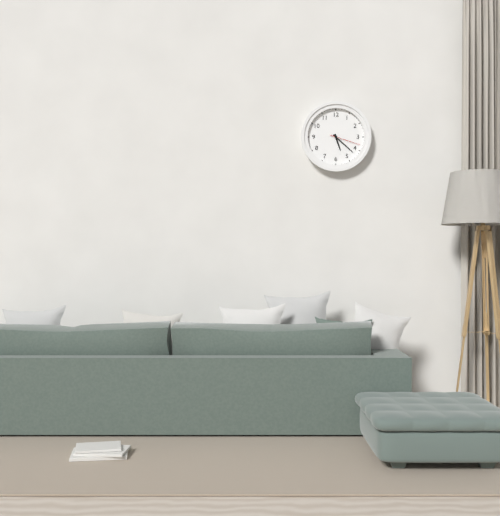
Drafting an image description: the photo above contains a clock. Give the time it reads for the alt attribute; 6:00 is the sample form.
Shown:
5:22
